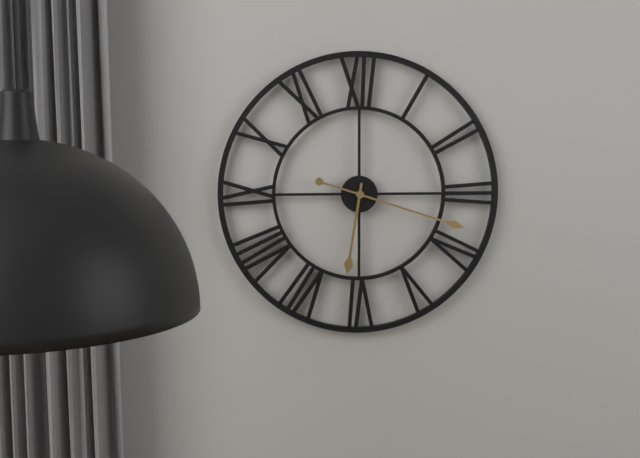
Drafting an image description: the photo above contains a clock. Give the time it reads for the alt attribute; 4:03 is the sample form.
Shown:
6:18
